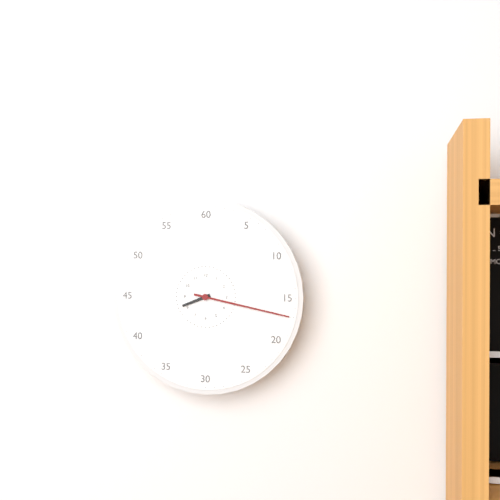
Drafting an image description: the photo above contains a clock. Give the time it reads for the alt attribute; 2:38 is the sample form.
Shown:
8:17
